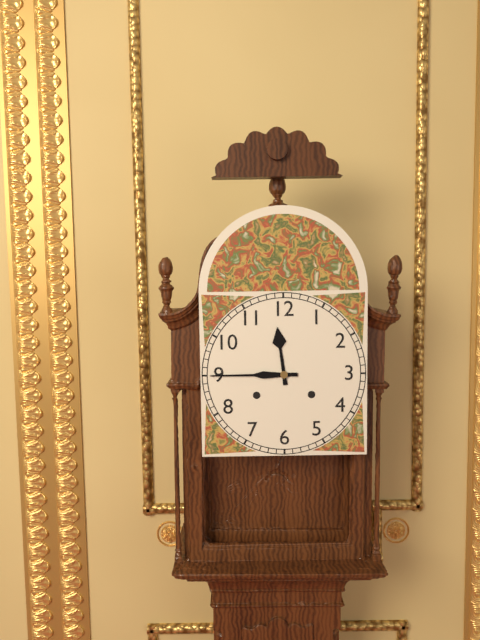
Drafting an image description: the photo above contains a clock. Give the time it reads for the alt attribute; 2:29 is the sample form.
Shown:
11:45
